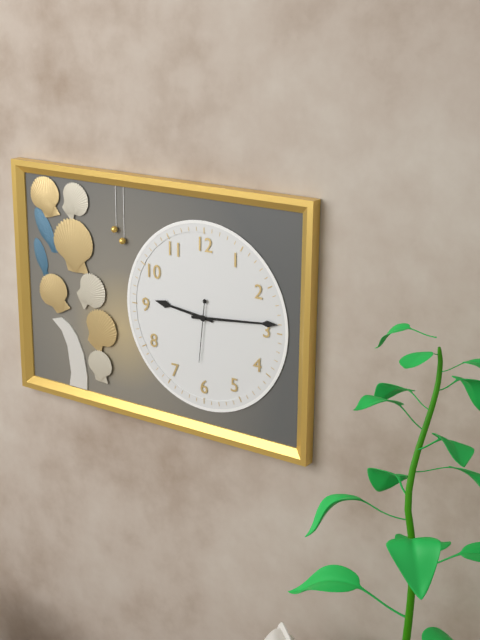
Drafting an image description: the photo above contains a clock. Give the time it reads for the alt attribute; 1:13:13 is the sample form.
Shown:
9:14:31
